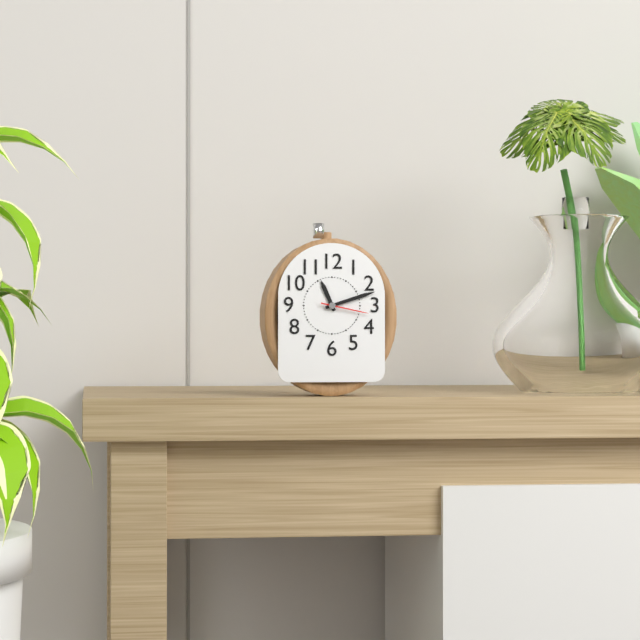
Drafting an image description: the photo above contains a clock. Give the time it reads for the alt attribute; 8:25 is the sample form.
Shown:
11:12
